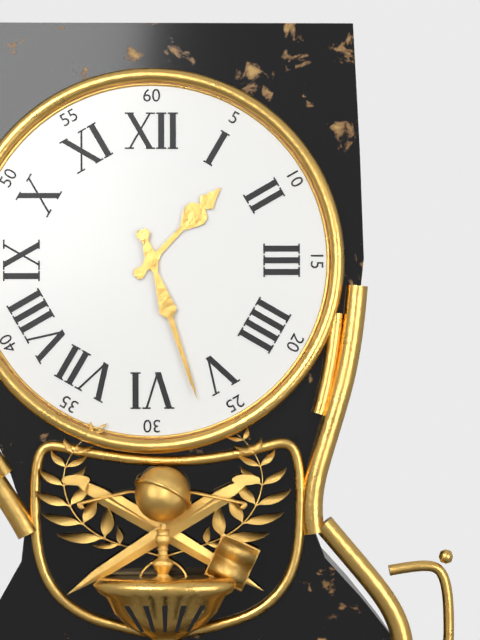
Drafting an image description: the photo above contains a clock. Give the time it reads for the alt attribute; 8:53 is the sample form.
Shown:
1:27
